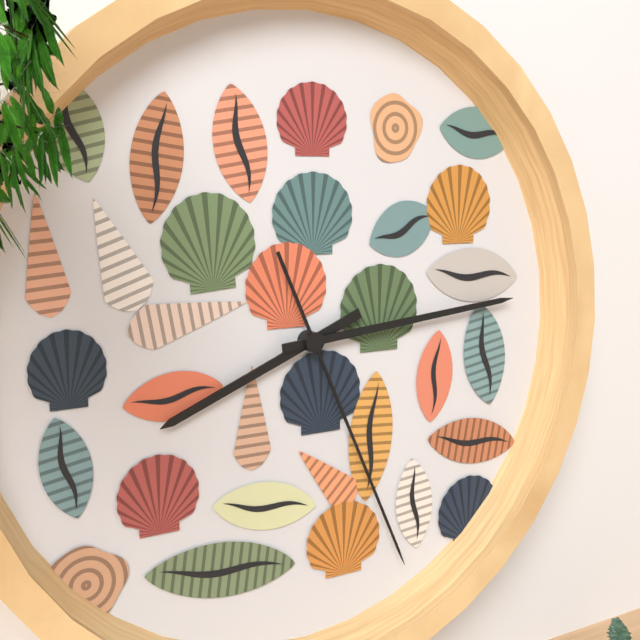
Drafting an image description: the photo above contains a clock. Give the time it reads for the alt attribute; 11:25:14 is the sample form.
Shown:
8:14:26
